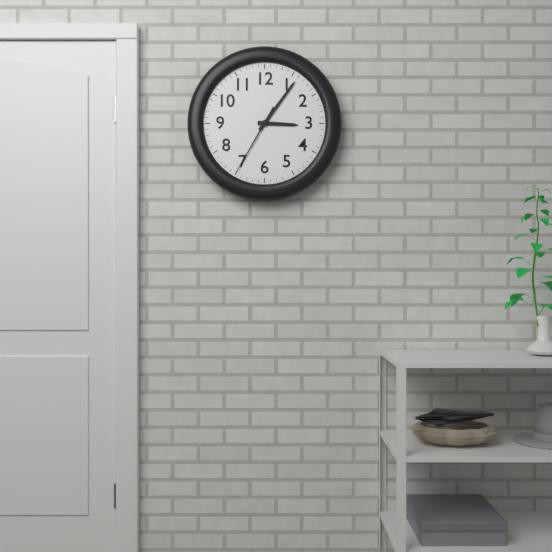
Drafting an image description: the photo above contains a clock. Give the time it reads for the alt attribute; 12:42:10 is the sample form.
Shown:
3:06:35
